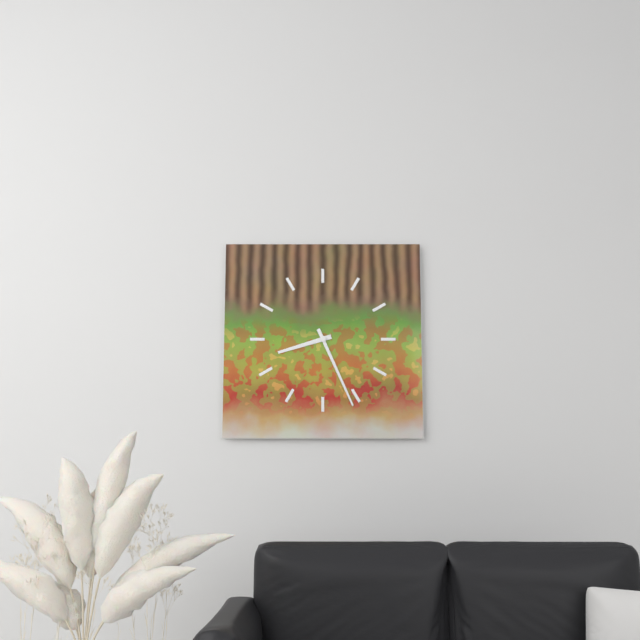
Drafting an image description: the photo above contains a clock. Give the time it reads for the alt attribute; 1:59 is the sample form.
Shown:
8:26
